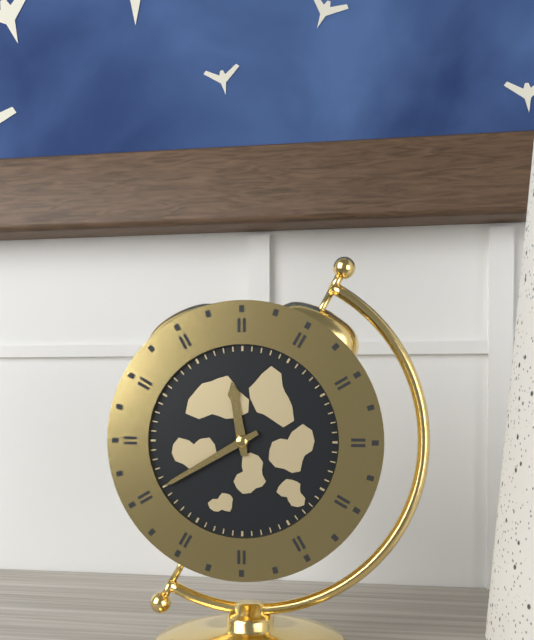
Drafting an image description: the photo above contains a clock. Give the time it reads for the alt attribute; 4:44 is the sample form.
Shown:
11:40
